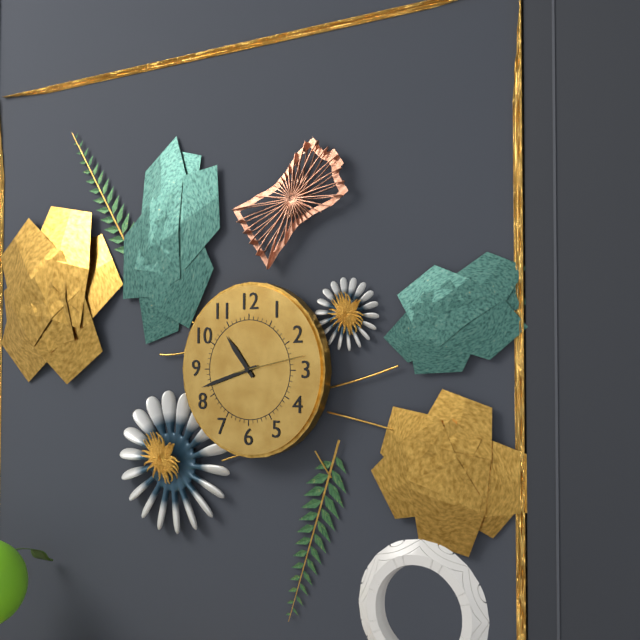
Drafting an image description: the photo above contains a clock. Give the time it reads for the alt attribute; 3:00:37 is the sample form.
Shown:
10:42:13
